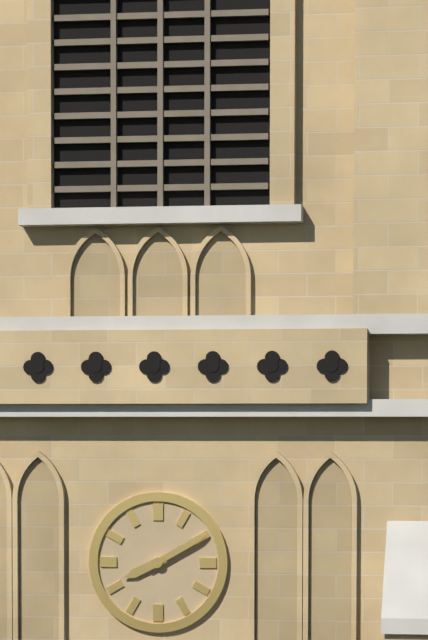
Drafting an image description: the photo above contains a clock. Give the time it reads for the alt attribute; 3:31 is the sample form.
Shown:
8:10
